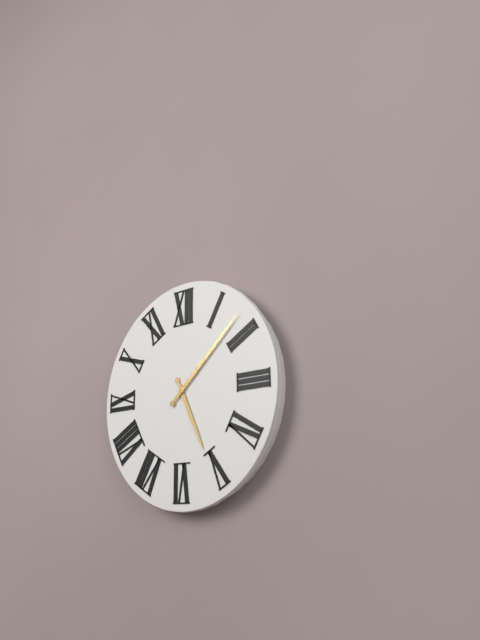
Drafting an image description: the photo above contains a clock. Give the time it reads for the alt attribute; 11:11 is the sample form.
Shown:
5:08
